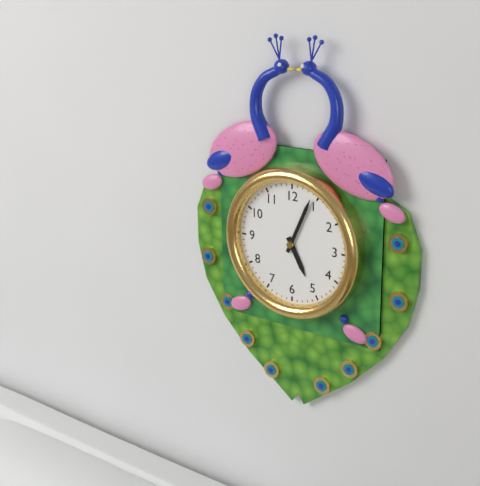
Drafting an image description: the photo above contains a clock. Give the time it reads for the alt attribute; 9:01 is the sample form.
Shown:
5:04
